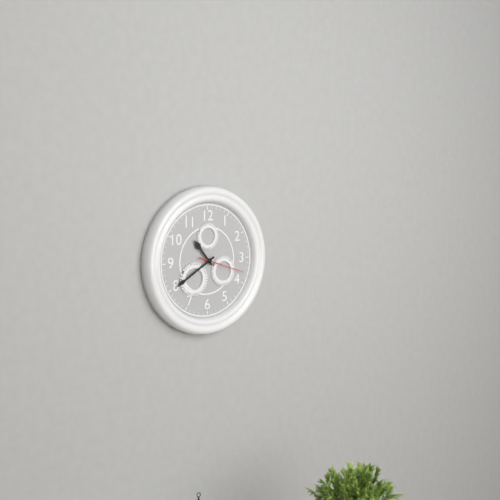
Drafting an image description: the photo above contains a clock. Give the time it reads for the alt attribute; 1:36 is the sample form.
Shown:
10:40
